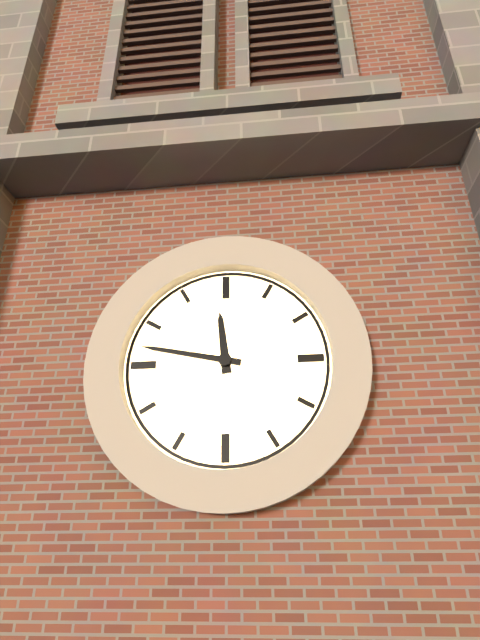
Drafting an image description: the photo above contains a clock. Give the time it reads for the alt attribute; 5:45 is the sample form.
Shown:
11:47
